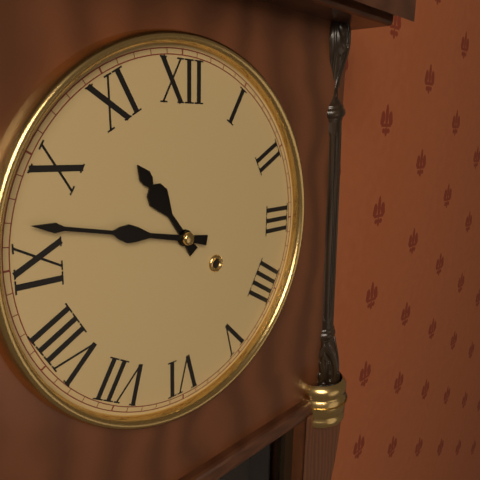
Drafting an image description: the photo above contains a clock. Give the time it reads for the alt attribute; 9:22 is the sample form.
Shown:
10:47
